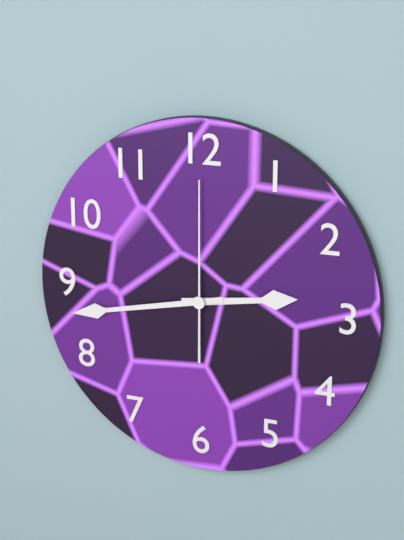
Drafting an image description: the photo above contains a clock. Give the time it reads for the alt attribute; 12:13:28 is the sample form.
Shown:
2:43:00
